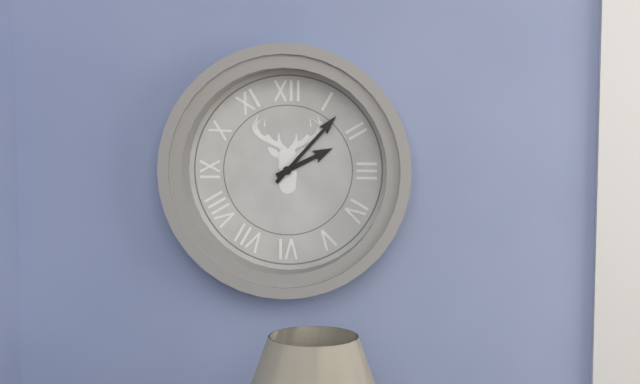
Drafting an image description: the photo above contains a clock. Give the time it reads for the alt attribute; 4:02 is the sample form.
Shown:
2:07
